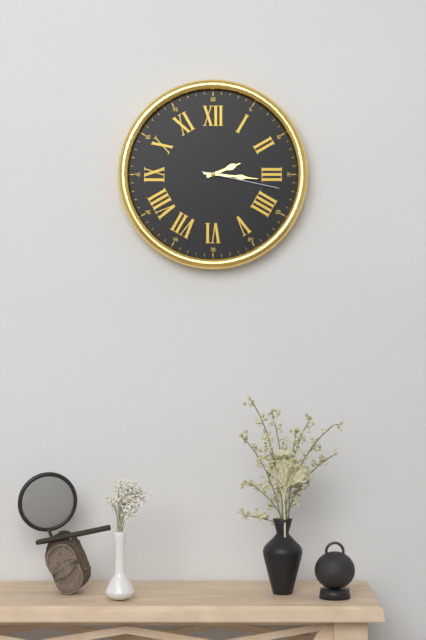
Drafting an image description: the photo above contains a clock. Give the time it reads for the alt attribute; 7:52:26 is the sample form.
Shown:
2:16:17
